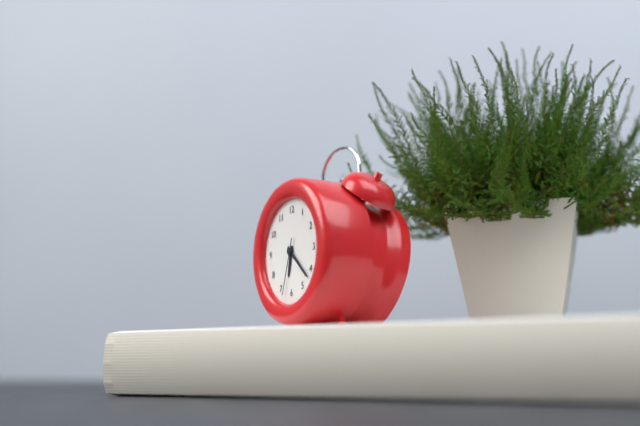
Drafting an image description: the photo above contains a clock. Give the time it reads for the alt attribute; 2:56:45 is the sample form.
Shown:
6:22:33
